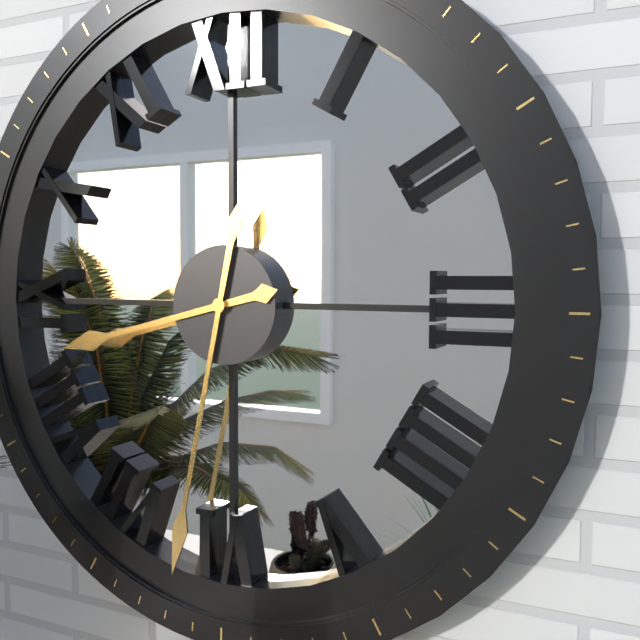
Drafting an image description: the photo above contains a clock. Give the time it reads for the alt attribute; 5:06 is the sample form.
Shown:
8:32
